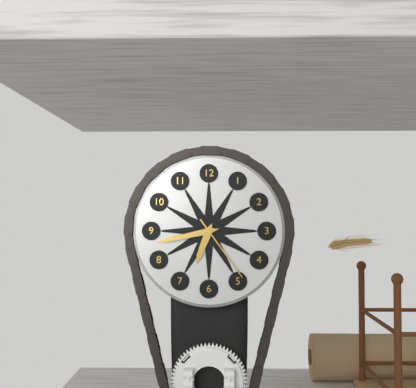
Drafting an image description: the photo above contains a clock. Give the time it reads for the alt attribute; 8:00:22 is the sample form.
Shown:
6:43:24
